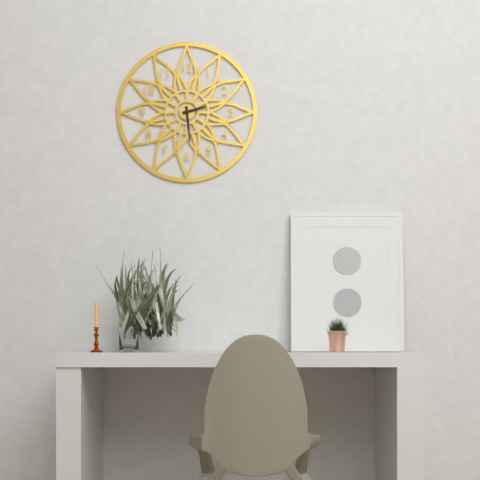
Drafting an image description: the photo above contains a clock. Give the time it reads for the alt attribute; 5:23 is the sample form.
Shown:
2:29
